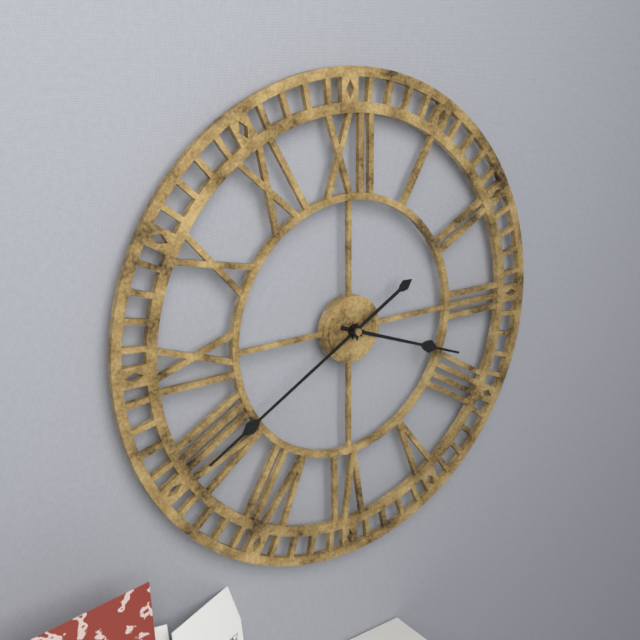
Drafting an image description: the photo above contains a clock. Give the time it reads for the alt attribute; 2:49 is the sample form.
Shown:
3:40
